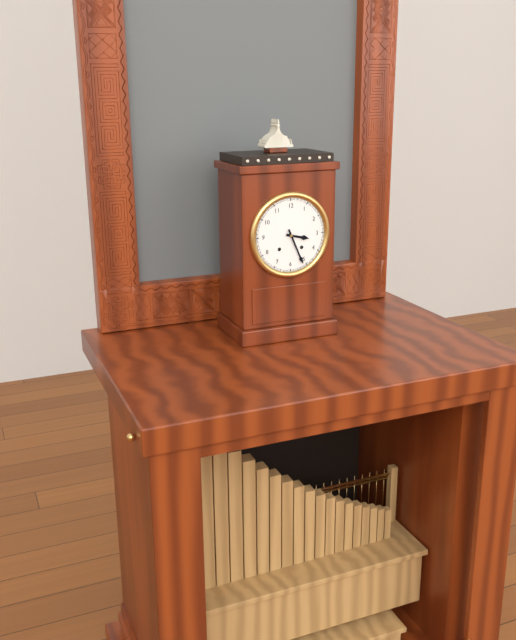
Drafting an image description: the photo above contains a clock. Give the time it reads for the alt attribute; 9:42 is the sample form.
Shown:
3:26
